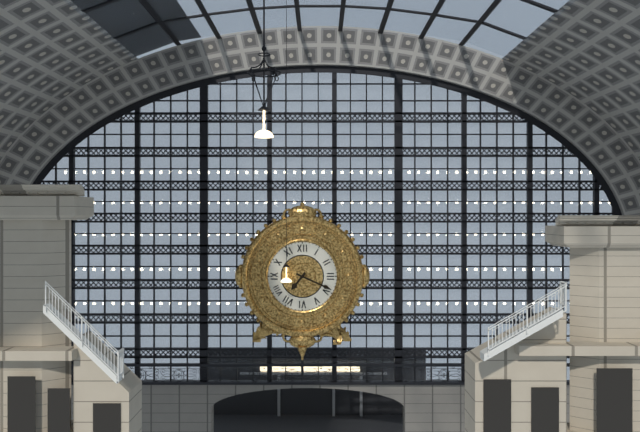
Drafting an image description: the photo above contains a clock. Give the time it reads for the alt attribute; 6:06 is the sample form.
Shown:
7:19
